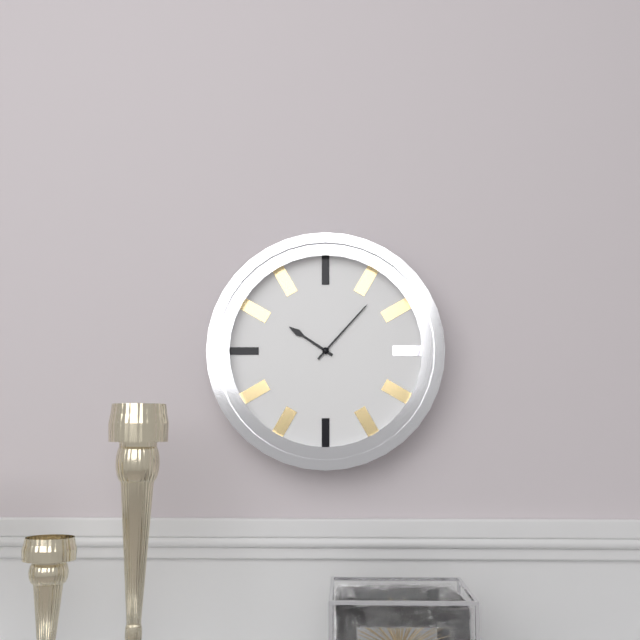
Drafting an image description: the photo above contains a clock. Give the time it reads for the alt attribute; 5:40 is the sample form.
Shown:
10:07
